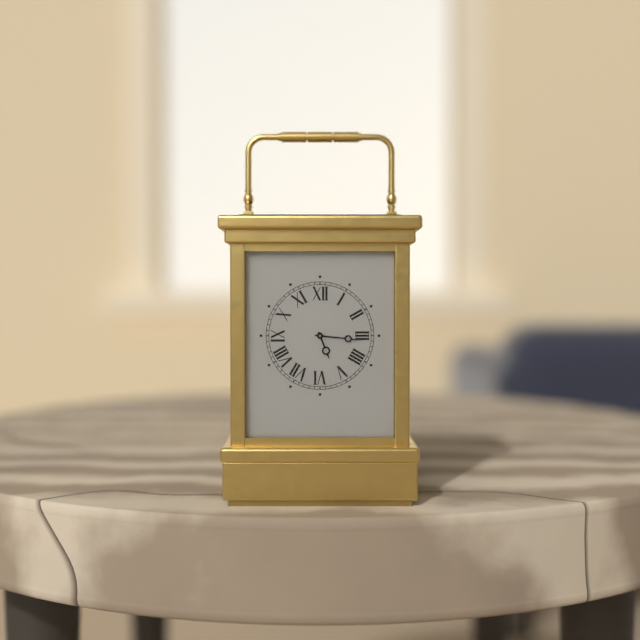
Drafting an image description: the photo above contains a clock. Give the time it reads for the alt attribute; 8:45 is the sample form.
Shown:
5:16
